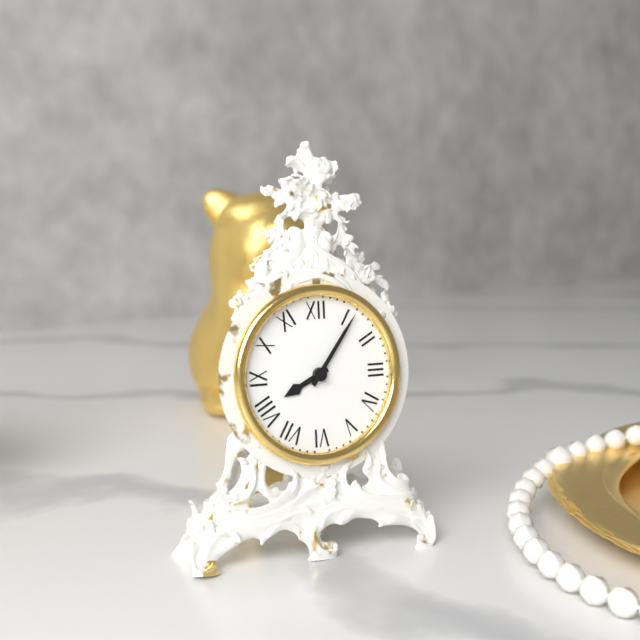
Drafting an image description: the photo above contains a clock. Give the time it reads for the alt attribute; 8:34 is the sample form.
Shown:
8:06
